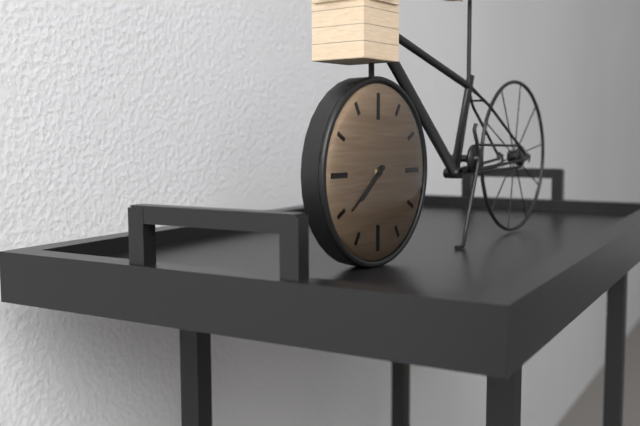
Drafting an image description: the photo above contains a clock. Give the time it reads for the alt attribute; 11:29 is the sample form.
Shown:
7:39
